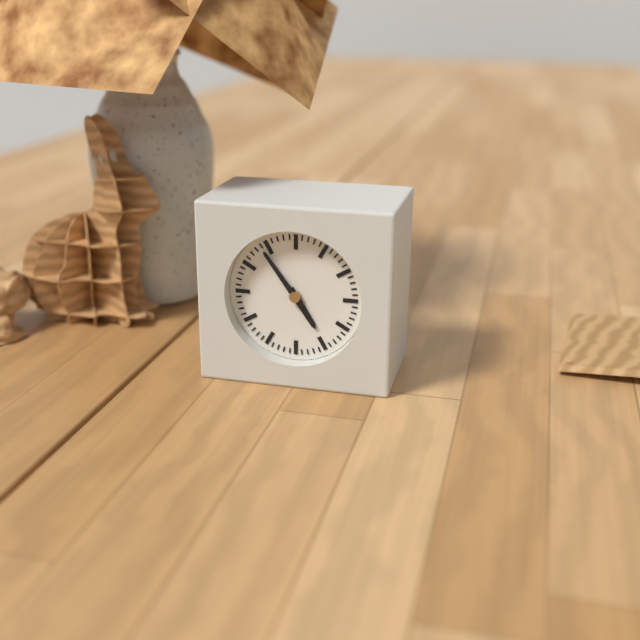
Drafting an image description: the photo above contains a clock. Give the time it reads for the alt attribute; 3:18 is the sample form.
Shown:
4:54
